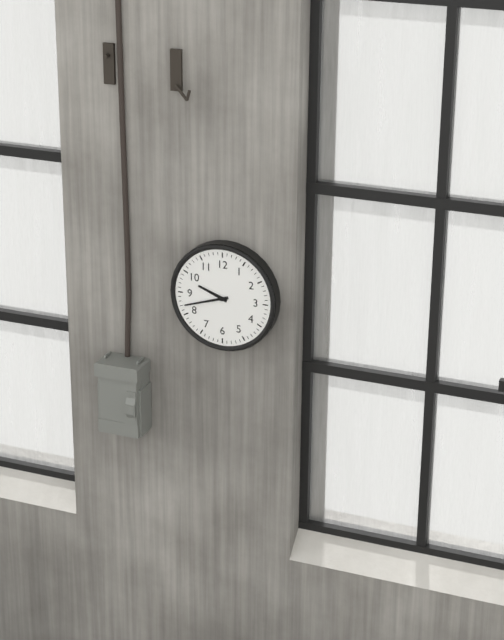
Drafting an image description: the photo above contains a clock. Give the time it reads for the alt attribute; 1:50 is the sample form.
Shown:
9:42
